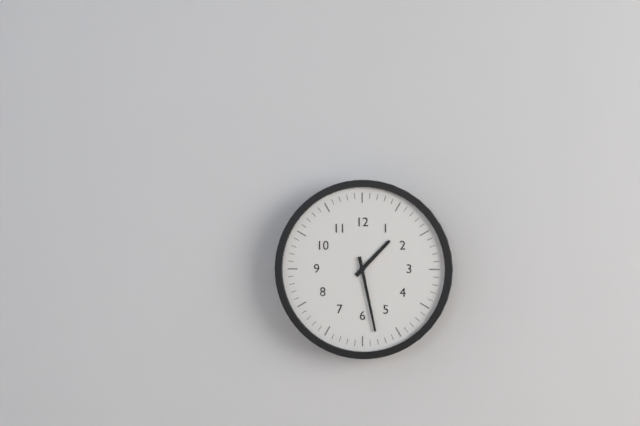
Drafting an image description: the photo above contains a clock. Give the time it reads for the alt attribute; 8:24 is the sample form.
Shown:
1:28
